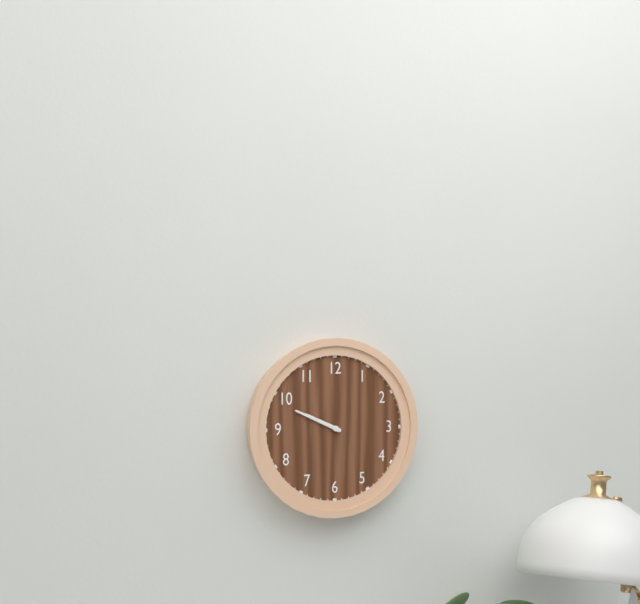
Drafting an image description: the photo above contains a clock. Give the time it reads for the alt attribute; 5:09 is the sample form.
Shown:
9:49
